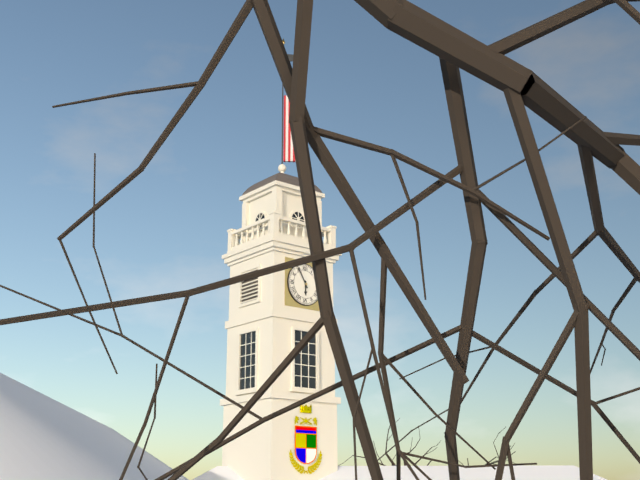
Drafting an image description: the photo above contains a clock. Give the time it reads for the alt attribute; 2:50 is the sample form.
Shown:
5:55
